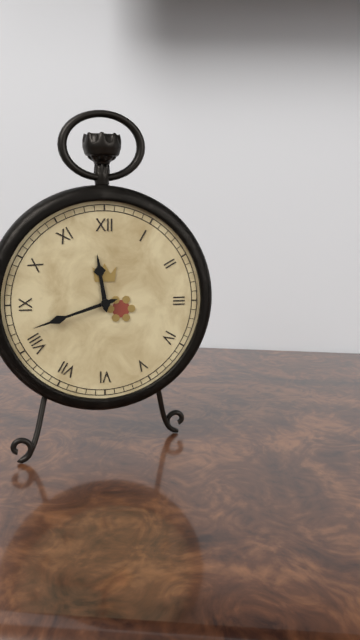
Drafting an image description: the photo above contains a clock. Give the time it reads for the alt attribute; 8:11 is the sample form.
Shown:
11:42
